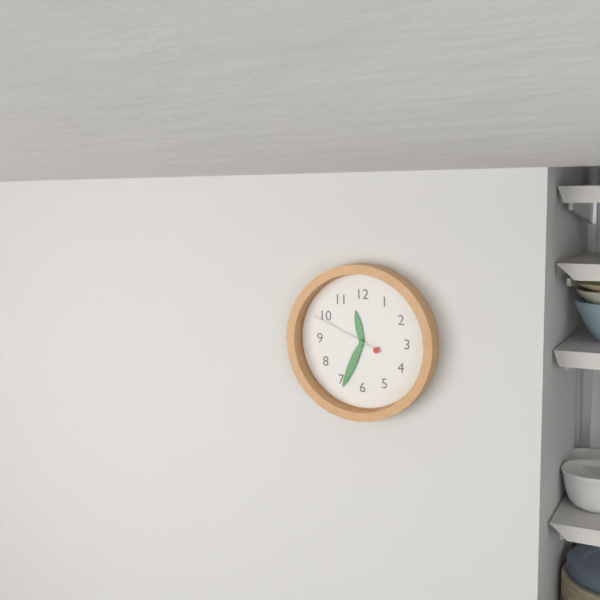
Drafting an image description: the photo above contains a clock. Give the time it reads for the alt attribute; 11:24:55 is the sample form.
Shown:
11:34:49
